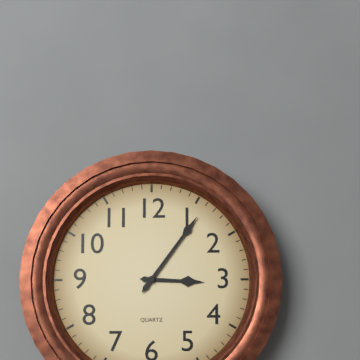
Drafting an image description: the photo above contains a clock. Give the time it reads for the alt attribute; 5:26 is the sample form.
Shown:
3:06
